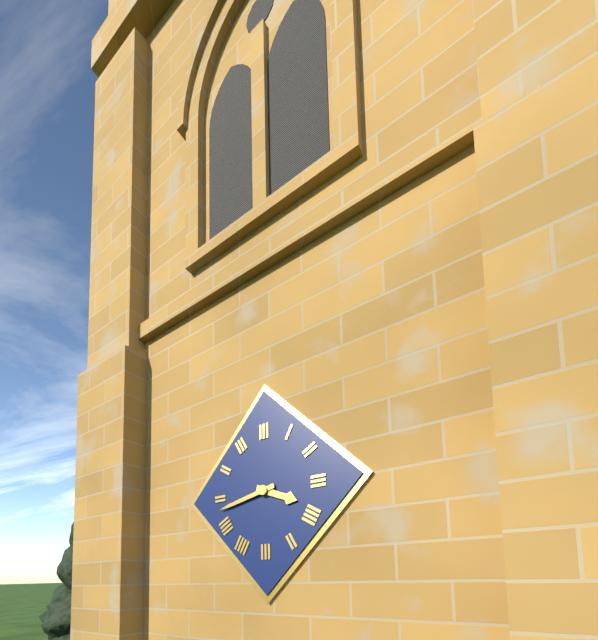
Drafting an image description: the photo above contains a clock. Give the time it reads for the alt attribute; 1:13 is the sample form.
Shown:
3:43
